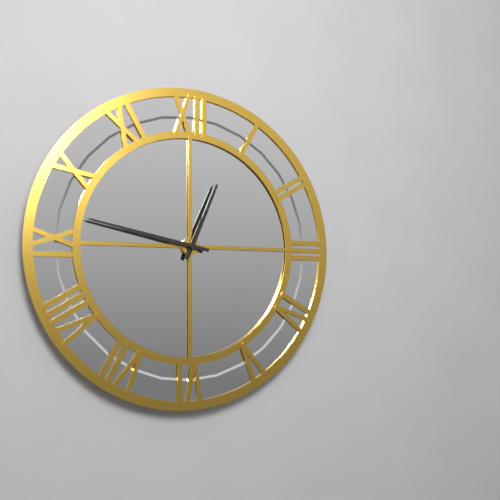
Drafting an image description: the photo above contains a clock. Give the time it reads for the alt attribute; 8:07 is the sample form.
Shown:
12:47
